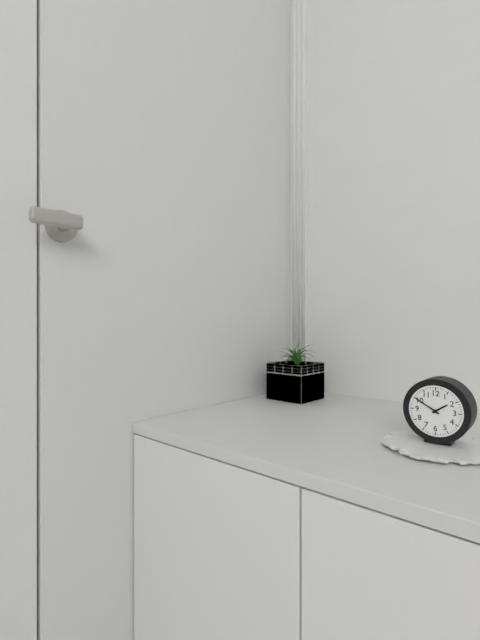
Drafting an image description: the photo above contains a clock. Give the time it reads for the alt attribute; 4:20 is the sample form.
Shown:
1:50
